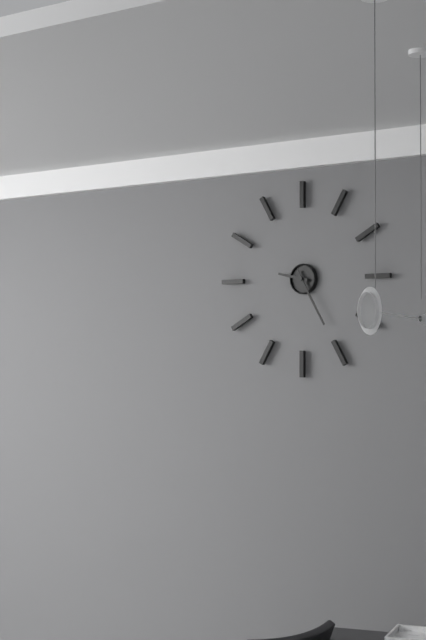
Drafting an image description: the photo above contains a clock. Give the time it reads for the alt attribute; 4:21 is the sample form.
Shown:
9:25
